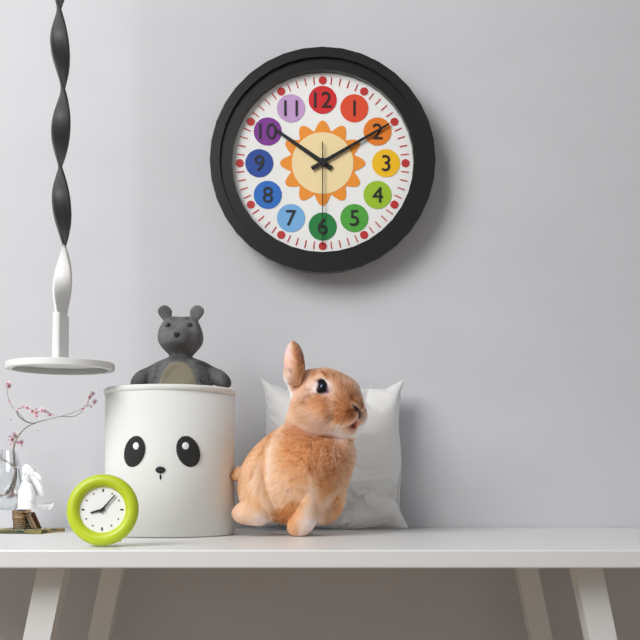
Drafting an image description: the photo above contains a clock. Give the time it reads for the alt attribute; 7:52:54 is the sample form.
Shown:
10:10:30
